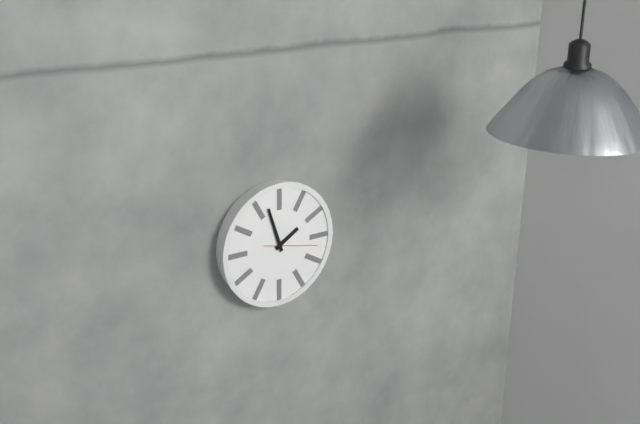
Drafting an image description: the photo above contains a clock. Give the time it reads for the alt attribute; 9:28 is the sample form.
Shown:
1:57
